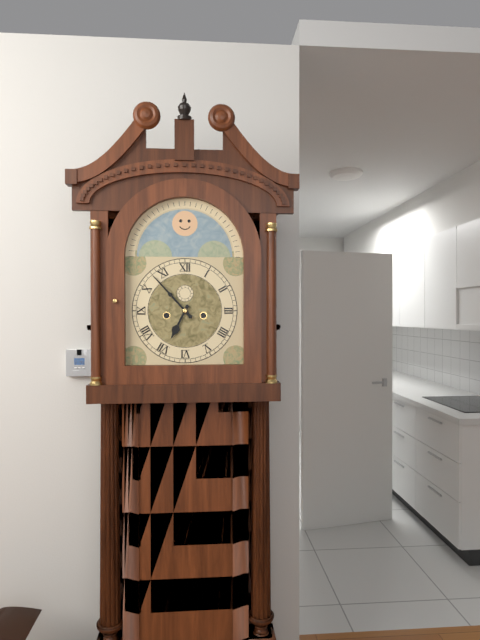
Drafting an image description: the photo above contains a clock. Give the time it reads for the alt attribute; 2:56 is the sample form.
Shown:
6:53
